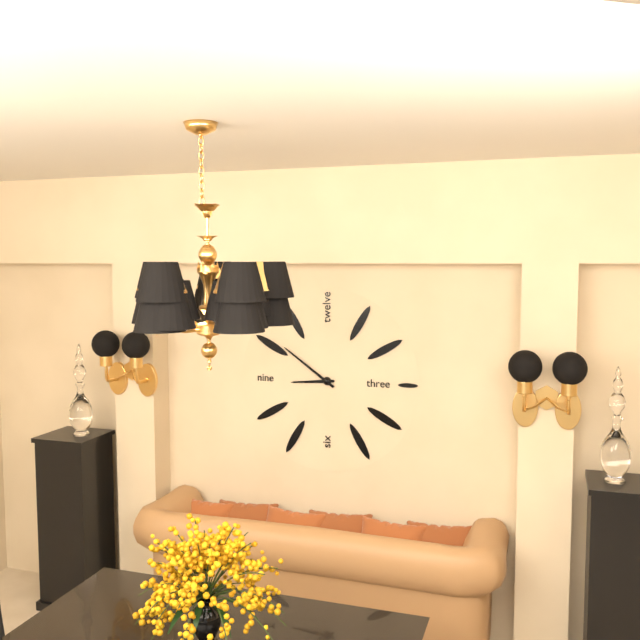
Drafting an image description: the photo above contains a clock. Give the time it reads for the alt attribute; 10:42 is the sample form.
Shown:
8:51
